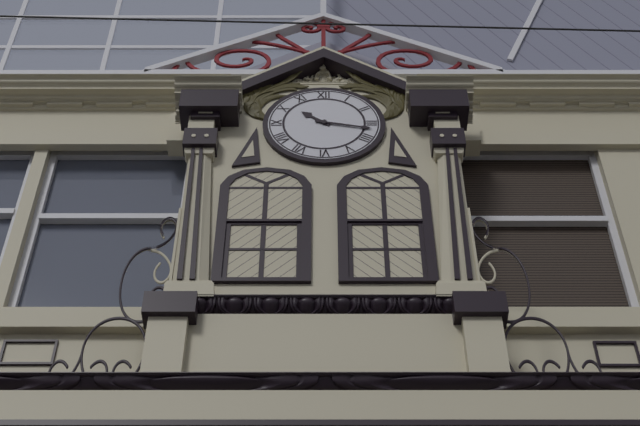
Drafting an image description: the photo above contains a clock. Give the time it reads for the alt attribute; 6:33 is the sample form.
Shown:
10:17
